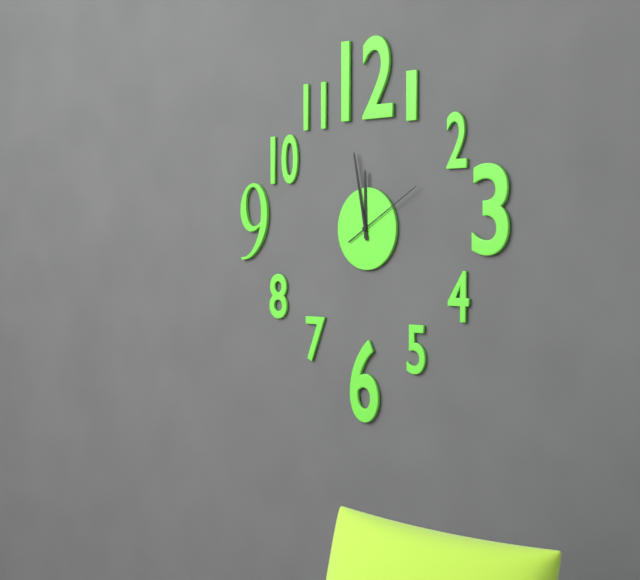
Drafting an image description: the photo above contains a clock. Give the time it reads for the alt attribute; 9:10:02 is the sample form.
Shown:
11:58:10
